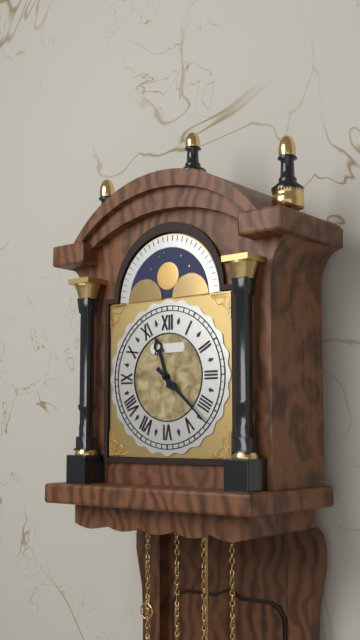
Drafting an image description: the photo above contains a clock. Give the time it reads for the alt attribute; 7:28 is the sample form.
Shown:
11:22
